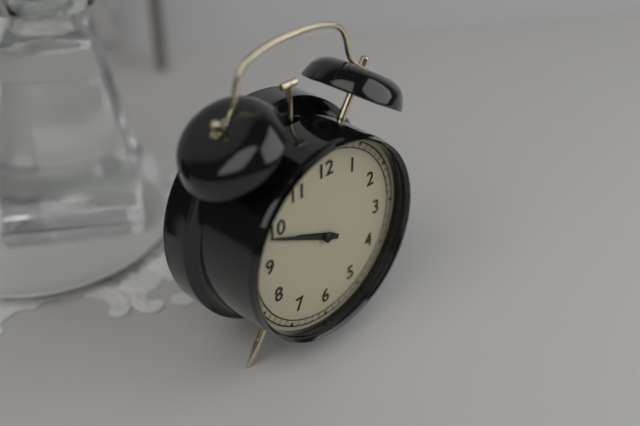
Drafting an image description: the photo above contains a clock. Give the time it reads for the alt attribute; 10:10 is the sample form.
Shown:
9:49
